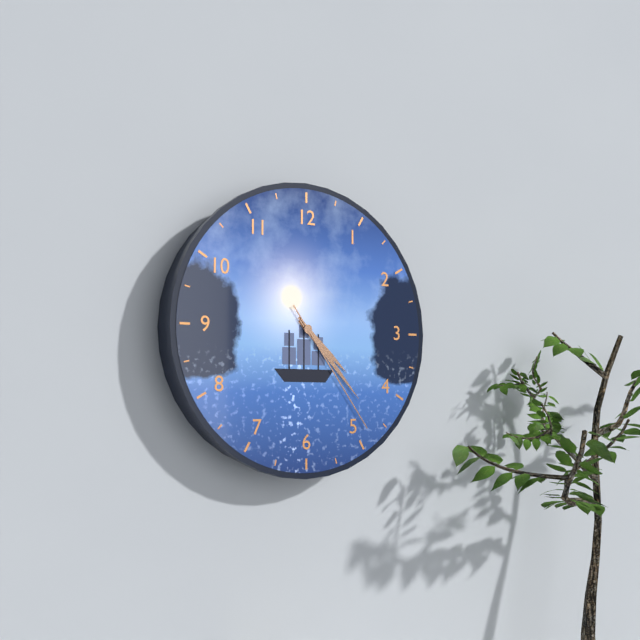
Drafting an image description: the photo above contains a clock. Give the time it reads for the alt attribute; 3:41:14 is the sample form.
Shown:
4:23:24
